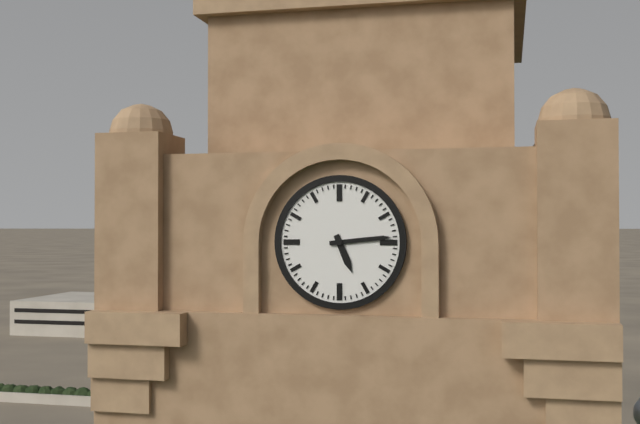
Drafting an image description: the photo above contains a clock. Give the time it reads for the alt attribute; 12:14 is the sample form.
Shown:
5:14
